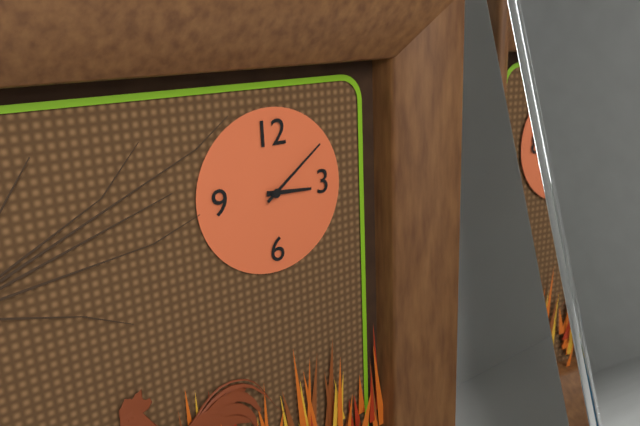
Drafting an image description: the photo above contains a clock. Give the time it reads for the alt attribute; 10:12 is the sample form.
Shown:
3:09
